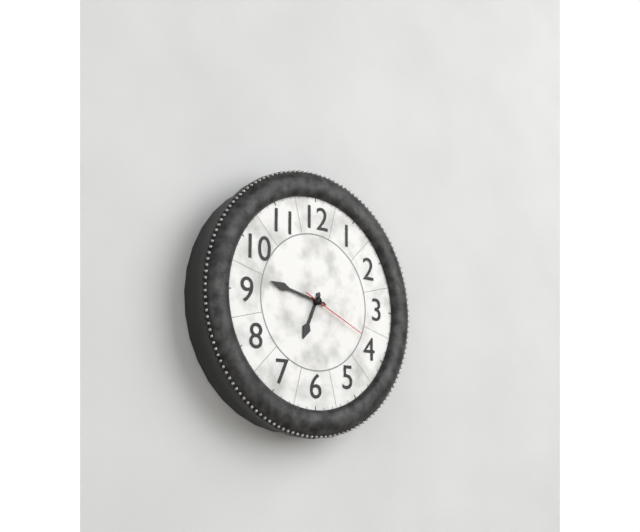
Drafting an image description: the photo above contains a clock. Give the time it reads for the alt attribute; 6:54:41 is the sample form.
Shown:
6:47:19
